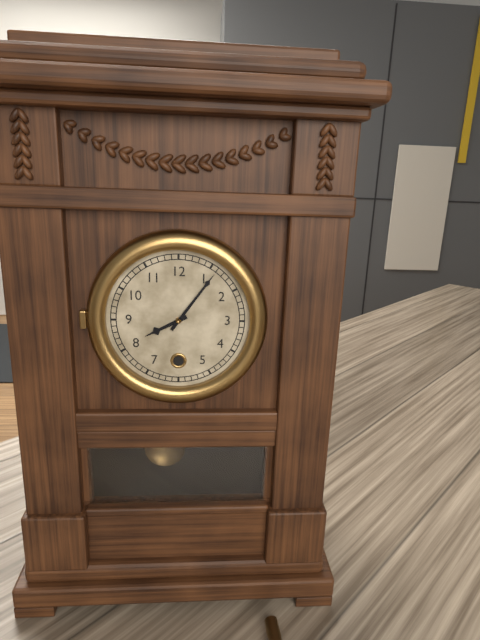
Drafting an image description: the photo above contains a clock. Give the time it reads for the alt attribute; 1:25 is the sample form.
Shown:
8:06
